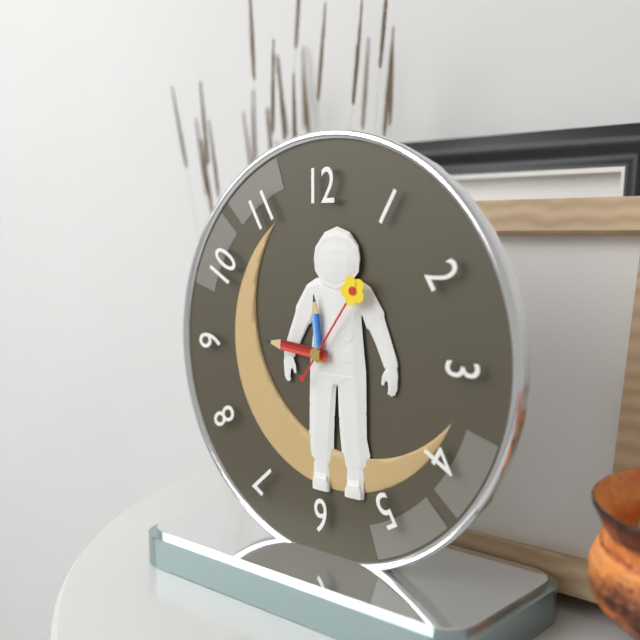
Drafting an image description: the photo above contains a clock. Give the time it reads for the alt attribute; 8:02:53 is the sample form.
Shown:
11:46:06
